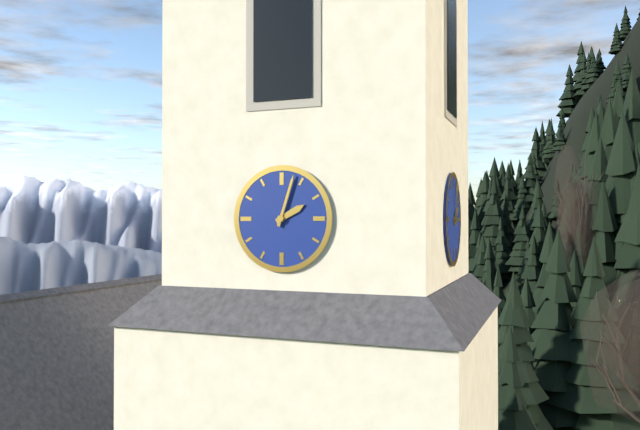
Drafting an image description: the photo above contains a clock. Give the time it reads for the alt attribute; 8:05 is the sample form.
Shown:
2:03
